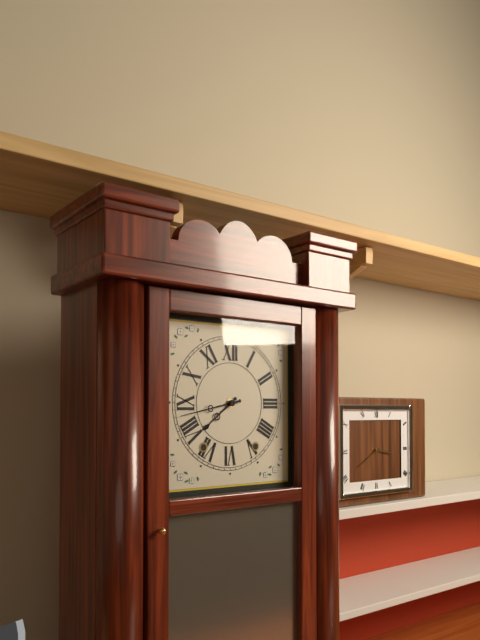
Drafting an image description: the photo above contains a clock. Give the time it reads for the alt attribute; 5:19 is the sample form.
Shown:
7:43
